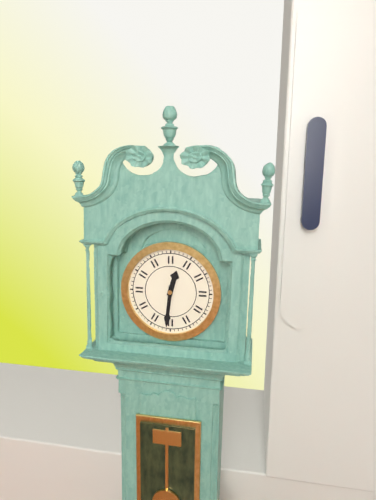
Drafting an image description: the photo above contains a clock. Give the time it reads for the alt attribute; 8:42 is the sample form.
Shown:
12:31
